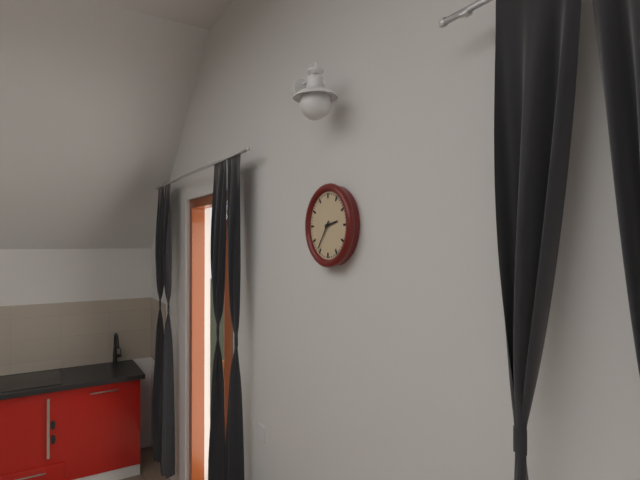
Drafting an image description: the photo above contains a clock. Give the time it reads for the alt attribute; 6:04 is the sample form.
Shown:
2:36
